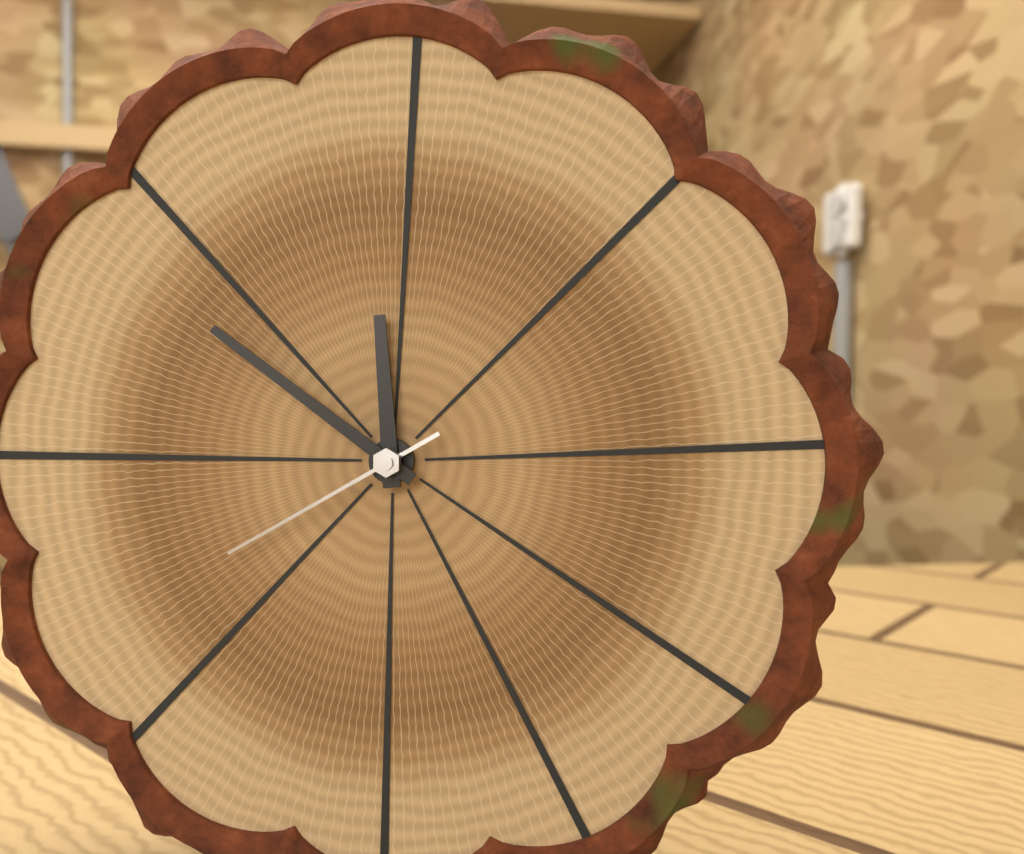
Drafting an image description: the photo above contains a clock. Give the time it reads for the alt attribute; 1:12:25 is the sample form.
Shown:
11:51:40
